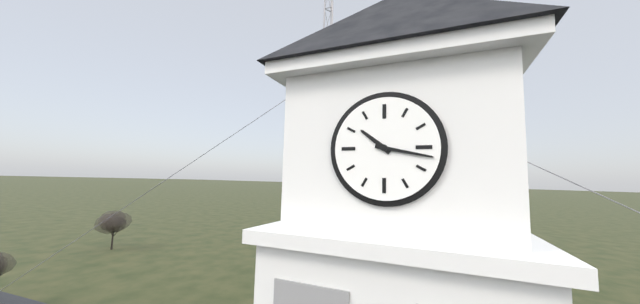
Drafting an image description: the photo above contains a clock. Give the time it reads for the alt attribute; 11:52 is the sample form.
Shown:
10:17
